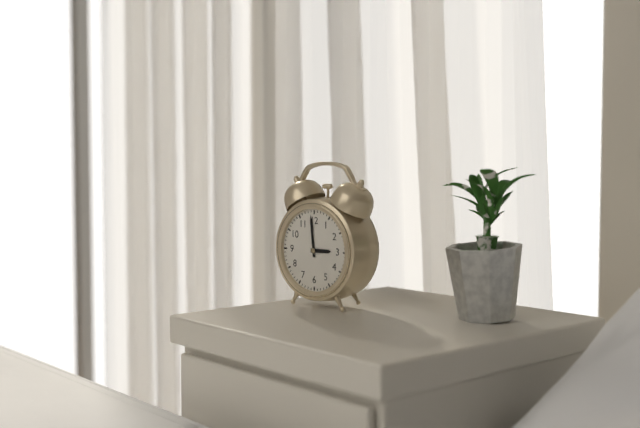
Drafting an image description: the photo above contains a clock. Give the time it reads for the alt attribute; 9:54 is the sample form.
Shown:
2:59
